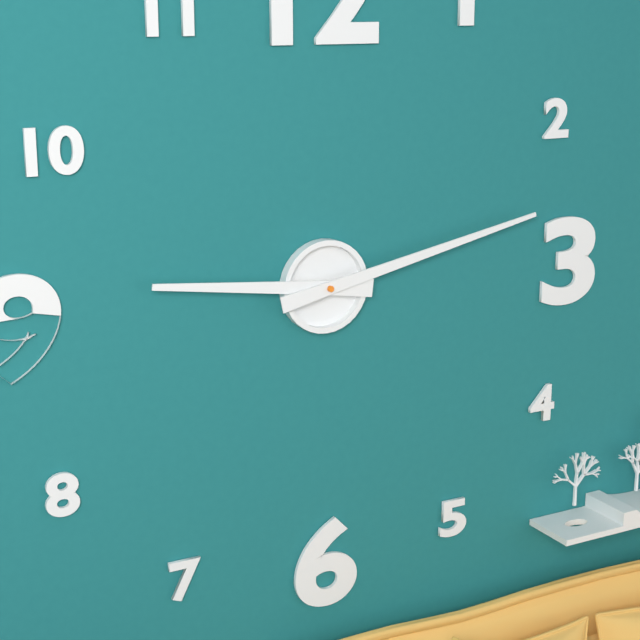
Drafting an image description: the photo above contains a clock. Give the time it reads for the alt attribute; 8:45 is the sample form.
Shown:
9:13
